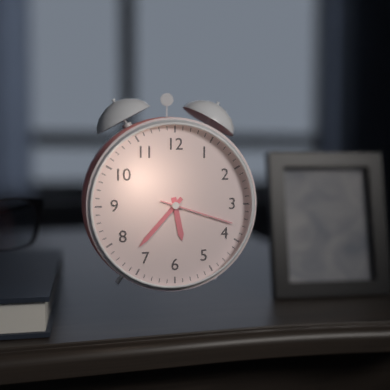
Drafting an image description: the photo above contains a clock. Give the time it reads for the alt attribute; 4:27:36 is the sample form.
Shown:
5:37:18
